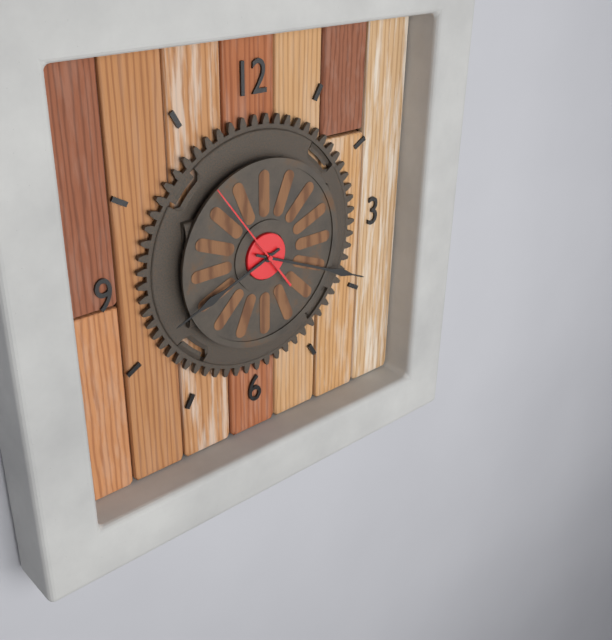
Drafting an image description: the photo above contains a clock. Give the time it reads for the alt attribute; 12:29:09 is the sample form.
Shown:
8:19:54
